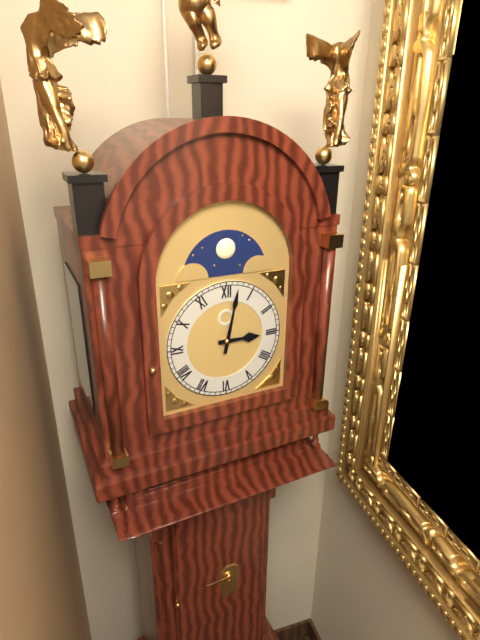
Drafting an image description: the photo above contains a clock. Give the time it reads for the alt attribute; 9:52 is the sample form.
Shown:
3:02
